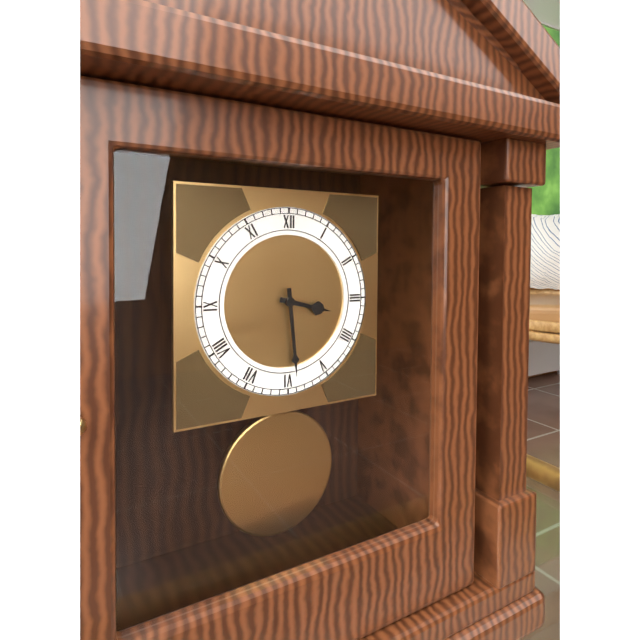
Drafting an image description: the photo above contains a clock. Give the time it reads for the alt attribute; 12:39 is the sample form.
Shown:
3:29
